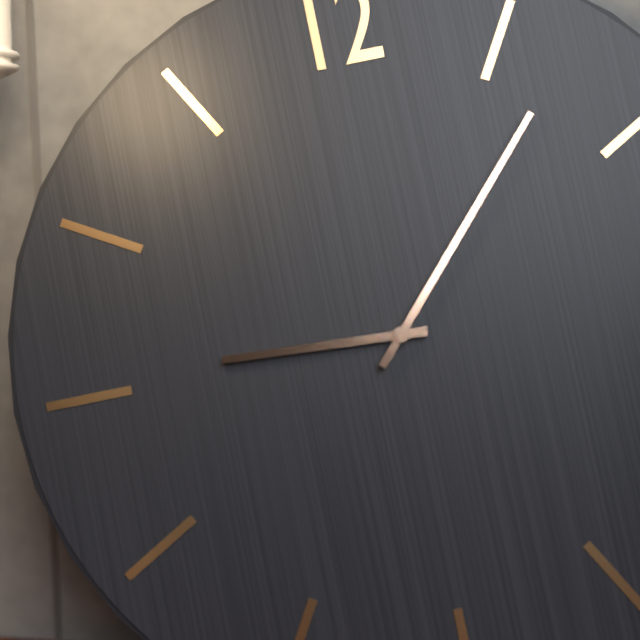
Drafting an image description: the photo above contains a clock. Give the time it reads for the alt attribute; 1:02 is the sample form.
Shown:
9:07
